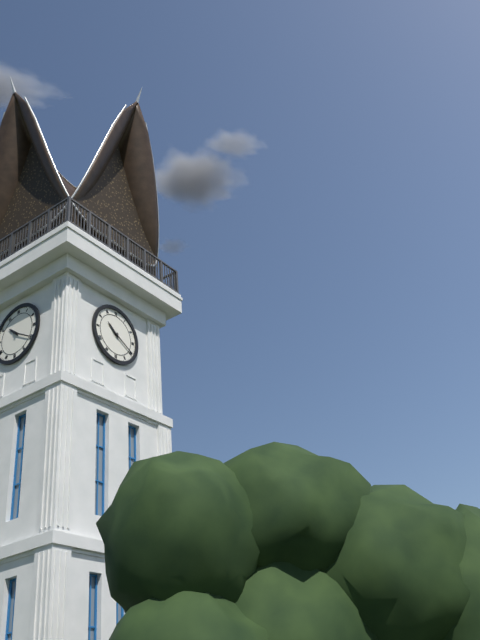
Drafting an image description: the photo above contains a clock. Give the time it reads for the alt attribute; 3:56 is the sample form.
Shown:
10:20
